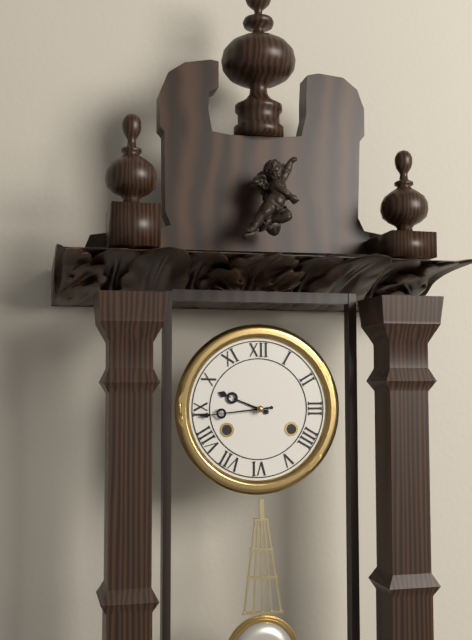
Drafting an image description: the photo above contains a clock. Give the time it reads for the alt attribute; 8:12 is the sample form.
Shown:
9:44
